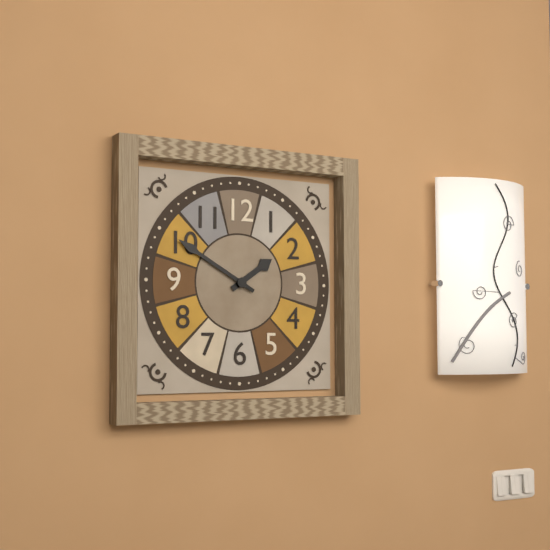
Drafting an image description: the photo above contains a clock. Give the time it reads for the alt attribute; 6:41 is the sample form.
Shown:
1:50
